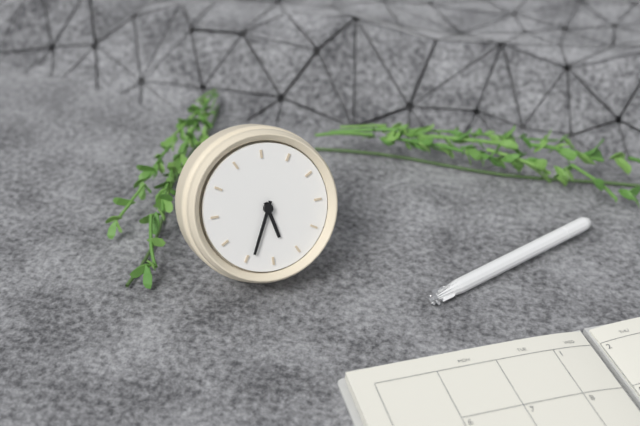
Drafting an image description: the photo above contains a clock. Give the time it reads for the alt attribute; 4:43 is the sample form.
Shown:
4:29
